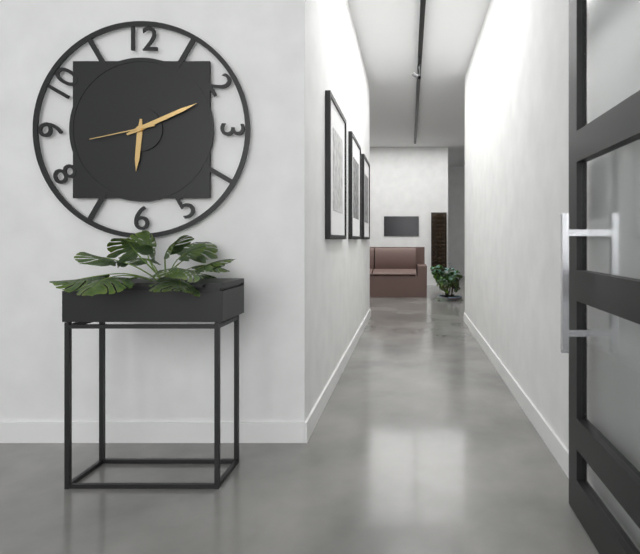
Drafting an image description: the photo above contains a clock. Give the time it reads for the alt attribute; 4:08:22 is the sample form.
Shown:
6:11:43
